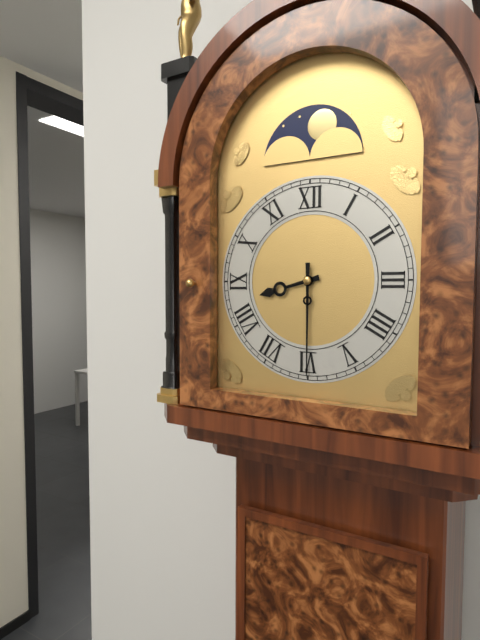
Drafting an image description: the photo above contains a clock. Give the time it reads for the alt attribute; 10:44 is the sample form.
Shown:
8:30
